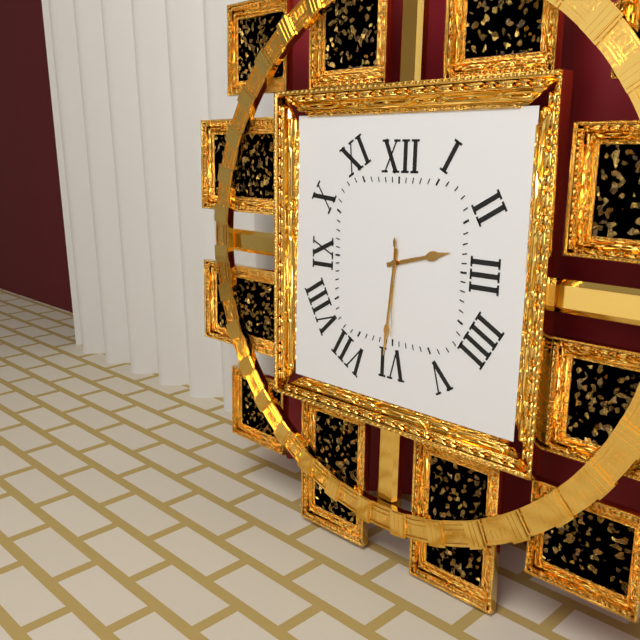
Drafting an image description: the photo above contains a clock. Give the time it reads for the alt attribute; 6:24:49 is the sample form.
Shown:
2:31:30
